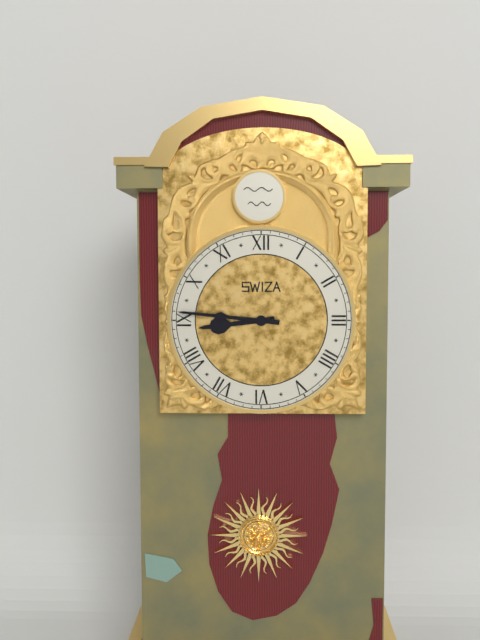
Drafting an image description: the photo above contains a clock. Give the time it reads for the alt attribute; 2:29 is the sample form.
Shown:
8:46
